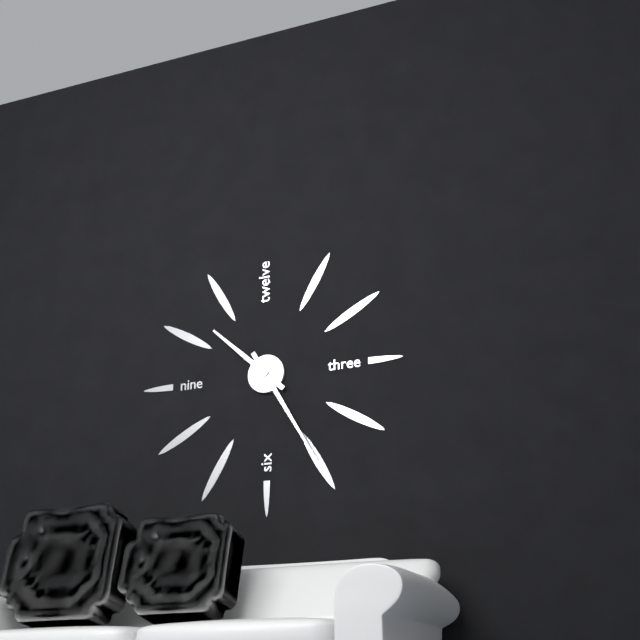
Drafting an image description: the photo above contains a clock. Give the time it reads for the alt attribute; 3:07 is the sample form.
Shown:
10:25
